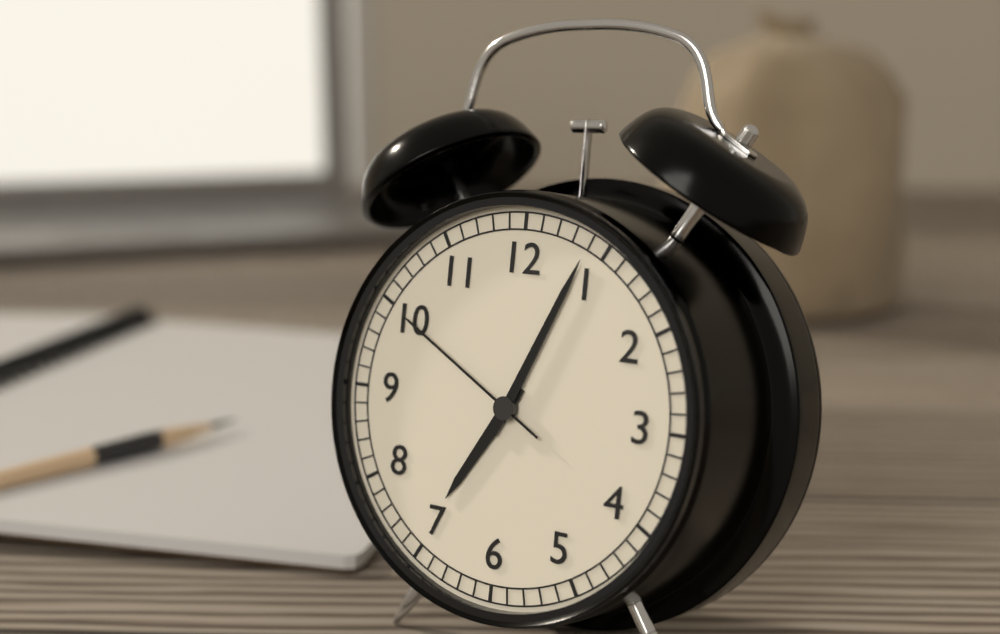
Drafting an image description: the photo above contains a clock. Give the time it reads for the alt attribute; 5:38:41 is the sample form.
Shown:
7:04:50
